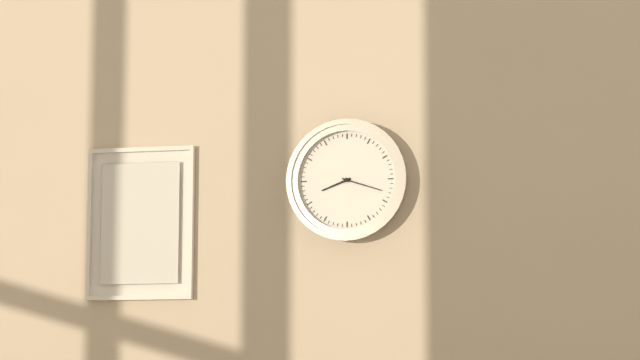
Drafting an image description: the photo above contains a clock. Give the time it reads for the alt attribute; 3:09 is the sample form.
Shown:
8:18
